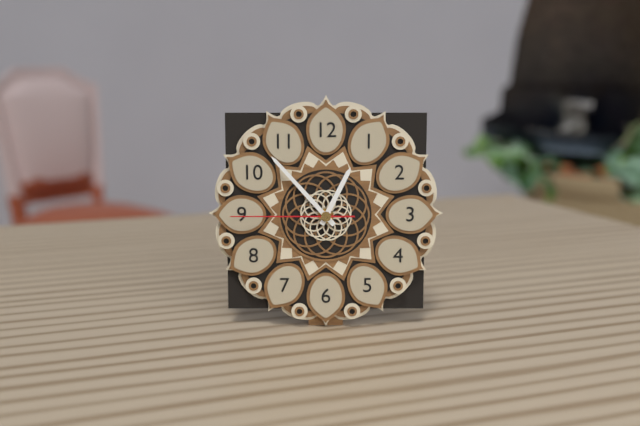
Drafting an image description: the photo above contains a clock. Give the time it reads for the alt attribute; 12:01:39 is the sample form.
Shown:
12:53:45
